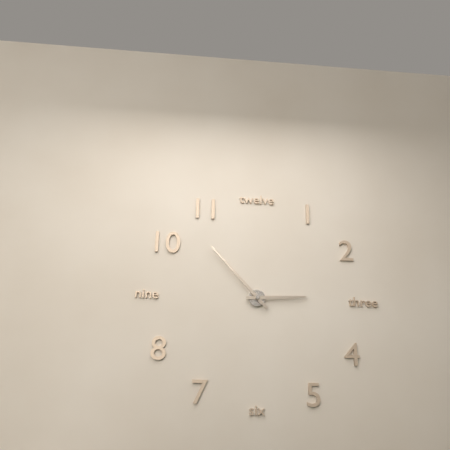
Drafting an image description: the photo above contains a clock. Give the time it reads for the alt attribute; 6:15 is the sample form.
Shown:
2:53
